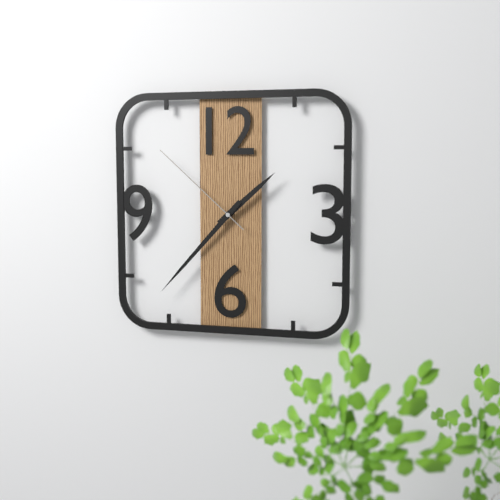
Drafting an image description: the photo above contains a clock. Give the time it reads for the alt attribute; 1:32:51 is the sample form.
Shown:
1:37:52
